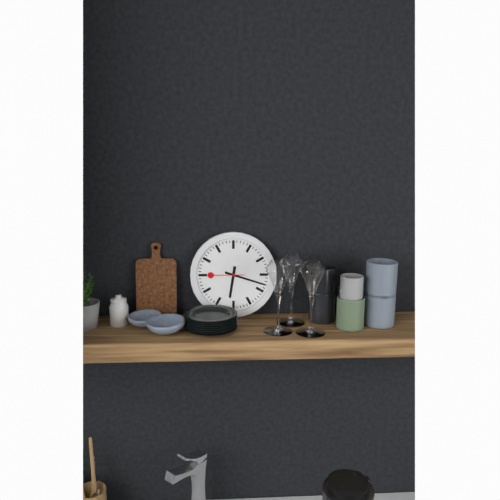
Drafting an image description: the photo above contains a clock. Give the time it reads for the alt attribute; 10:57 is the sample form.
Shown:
6:18
